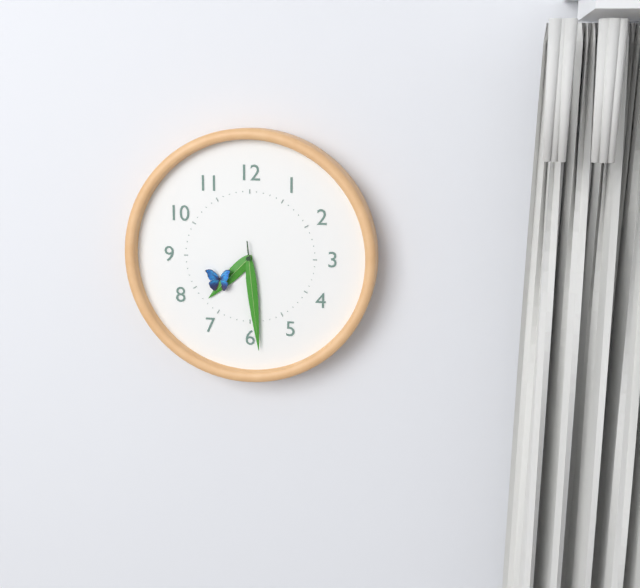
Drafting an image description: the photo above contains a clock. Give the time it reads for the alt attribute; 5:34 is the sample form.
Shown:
7:29
